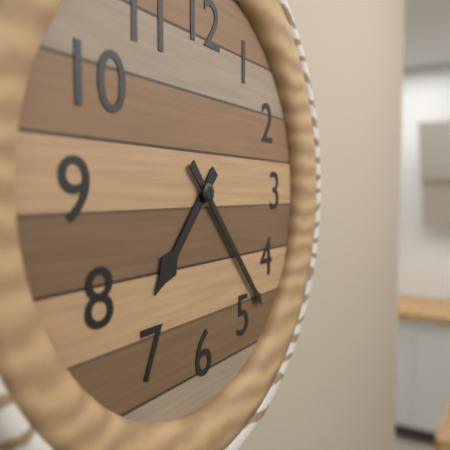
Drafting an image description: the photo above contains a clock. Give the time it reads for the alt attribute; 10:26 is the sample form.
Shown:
7:23
